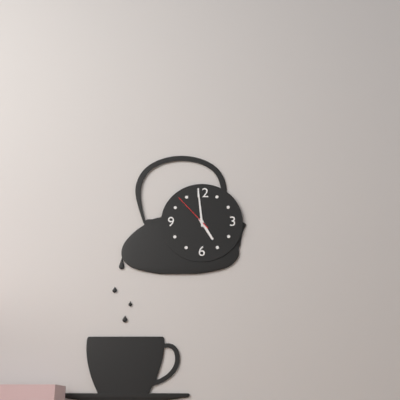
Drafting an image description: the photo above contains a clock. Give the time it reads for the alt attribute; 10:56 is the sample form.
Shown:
4:59
